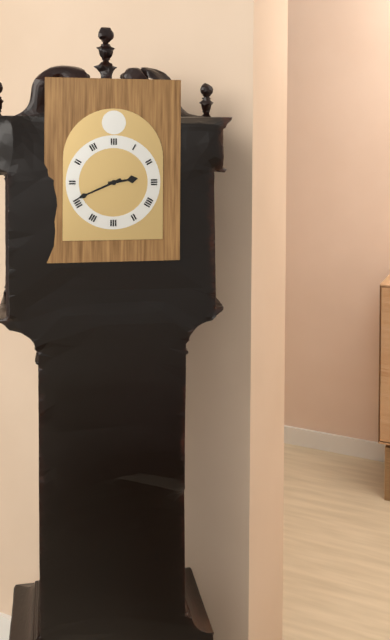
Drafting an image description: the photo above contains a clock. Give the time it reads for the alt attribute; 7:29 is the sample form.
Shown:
2:41
